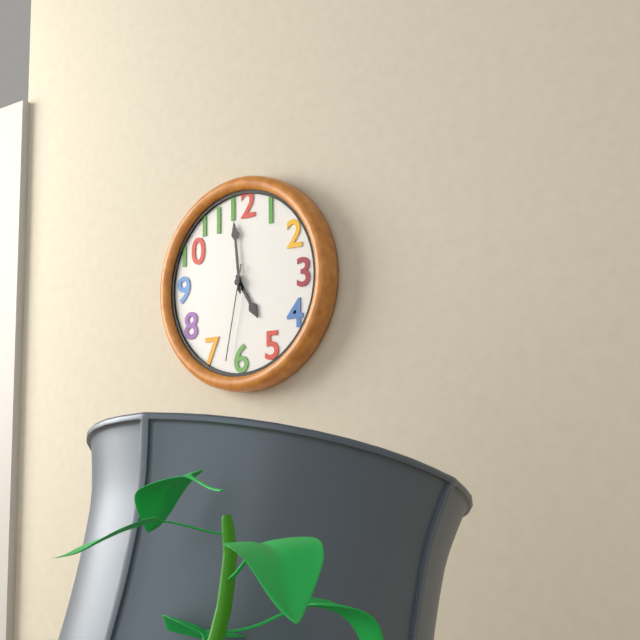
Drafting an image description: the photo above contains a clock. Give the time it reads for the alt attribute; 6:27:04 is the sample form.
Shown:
4:59:32
